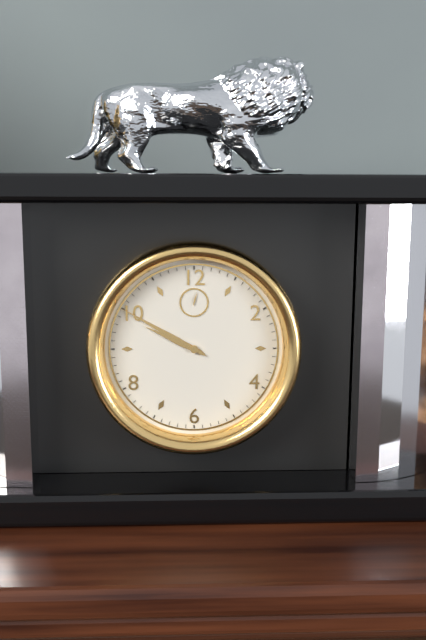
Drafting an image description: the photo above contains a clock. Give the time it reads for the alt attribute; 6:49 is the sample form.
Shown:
9:50
